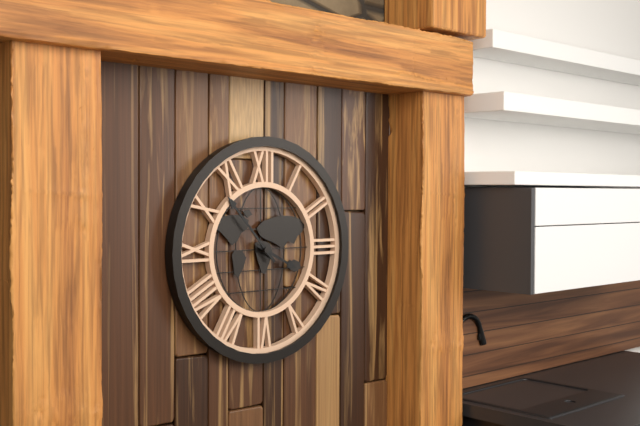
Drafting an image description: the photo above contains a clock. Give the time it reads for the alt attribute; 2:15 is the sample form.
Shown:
3:53
